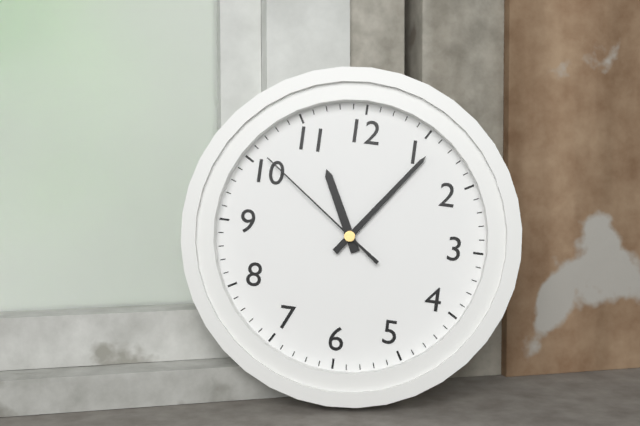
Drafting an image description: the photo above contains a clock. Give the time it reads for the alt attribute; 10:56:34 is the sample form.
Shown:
11:06:51
